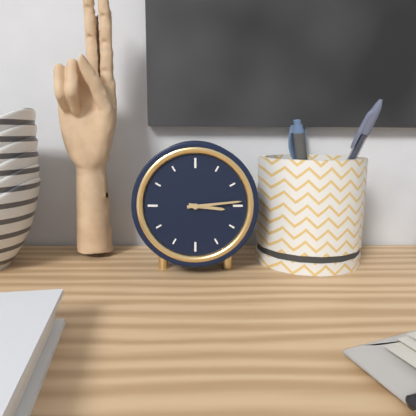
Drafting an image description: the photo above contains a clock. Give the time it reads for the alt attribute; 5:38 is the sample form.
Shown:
3:14
